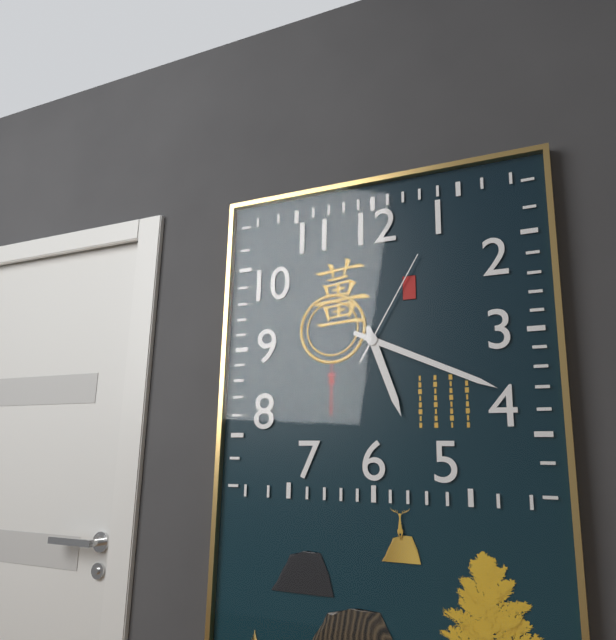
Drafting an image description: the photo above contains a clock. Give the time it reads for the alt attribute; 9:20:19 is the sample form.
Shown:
5:19:05
